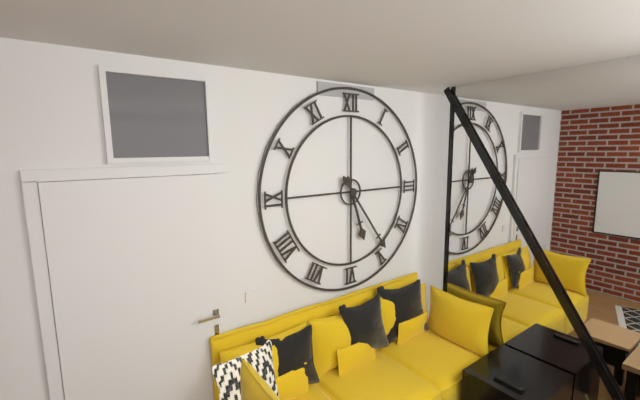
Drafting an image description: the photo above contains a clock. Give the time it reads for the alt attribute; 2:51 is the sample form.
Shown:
5:24
